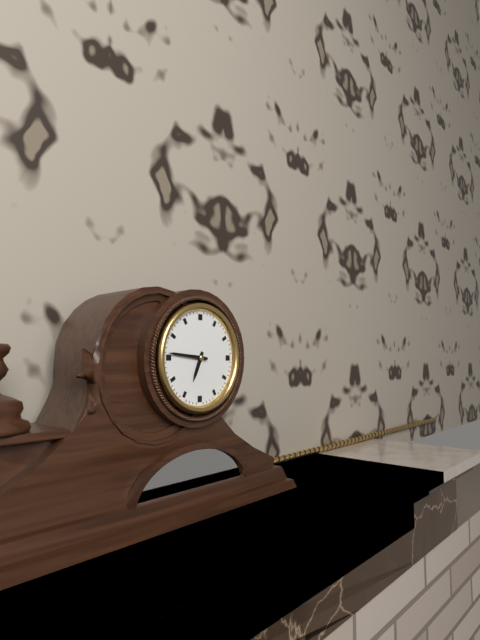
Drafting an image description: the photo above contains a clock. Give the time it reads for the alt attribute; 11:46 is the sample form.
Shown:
6:46
